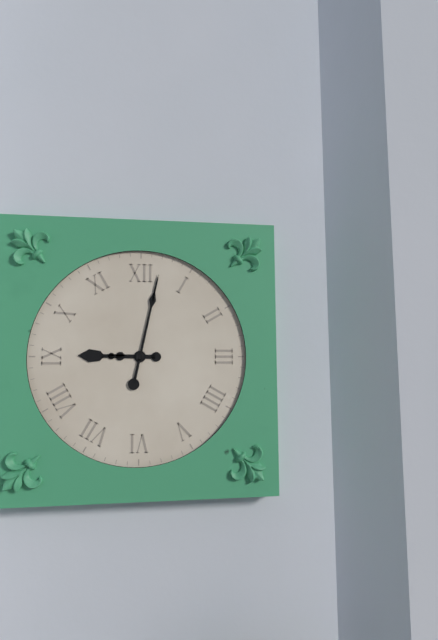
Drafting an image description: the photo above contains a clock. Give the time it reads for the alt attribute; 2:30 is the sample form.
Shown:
9:02
